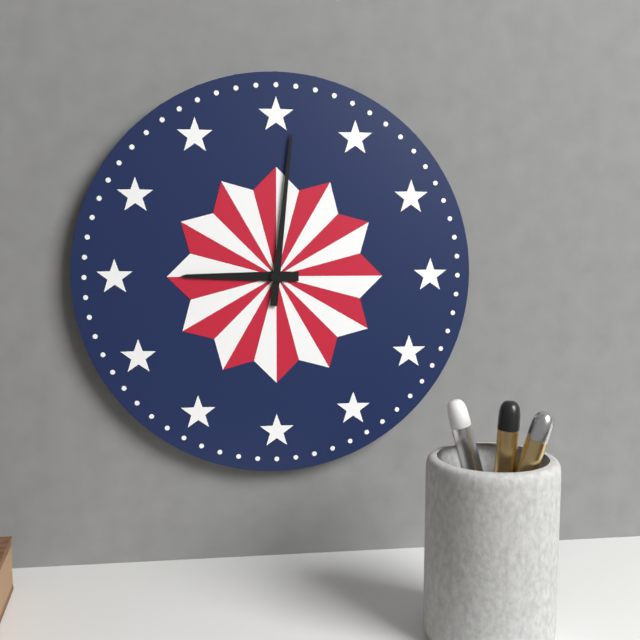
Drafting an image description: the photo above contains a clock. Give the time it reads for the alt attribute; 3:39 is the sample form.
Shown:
9:01
